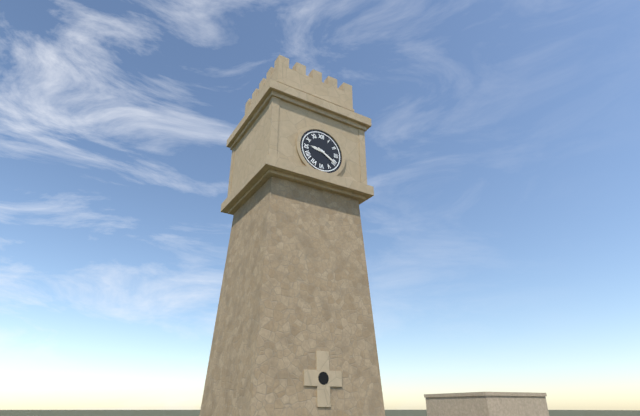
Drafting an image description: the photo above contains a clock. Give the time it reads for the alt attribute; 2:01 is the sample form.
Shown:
9:20
